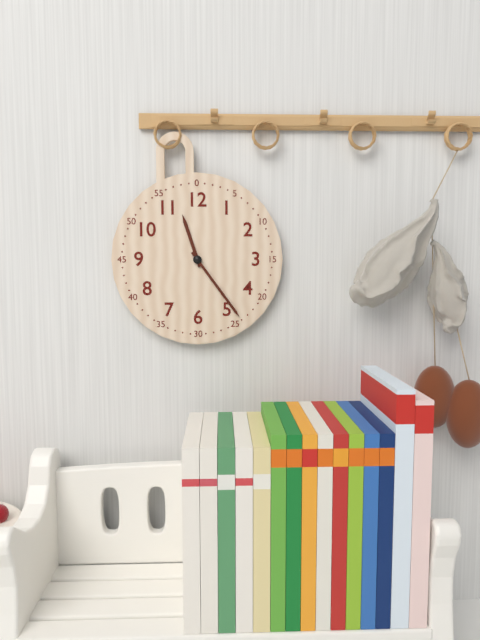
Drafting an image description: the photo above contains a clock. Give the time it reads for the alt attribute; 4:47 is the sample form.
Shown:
11:24
